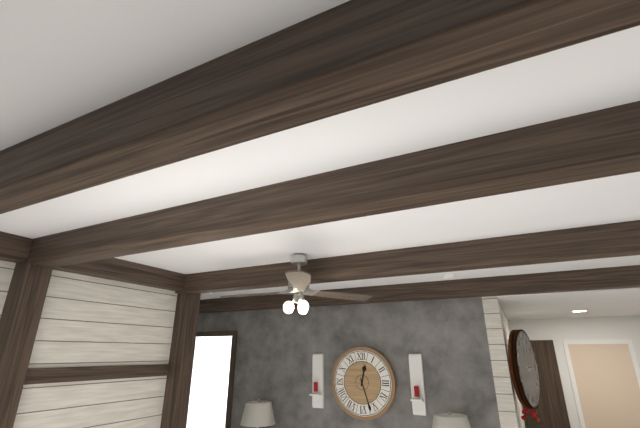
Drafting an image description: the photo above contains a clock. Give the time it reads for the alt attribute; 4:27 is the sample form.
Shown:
12:27
